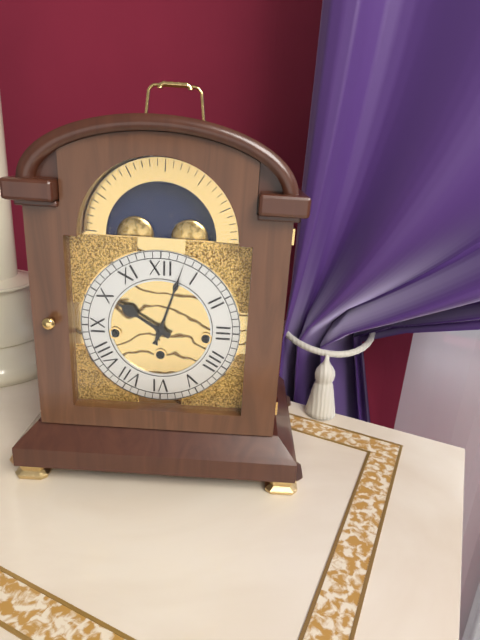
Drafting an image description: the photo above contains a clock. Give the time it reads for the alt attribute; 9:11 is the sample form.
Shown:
10:03
